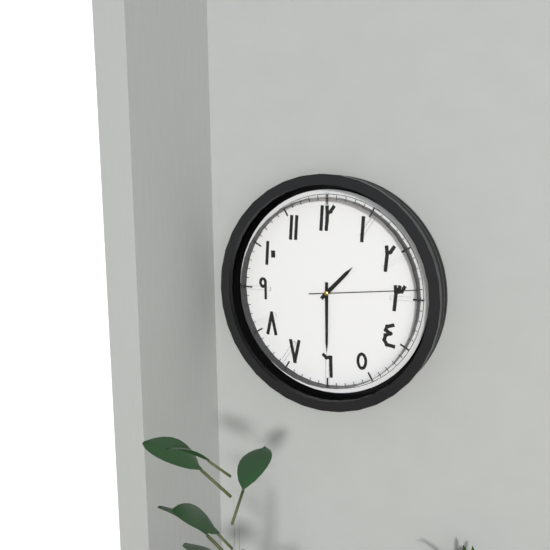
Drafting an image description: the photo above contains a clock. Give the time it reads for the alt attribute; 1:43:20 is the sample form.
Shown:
1:30:14
